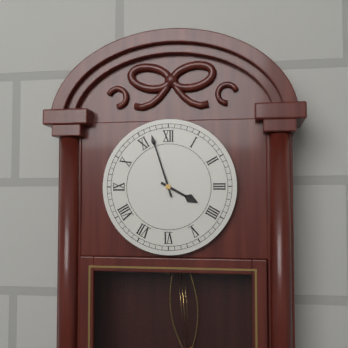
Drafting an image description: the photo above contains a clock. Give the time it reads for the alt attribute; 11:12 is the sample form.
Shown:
3:57
